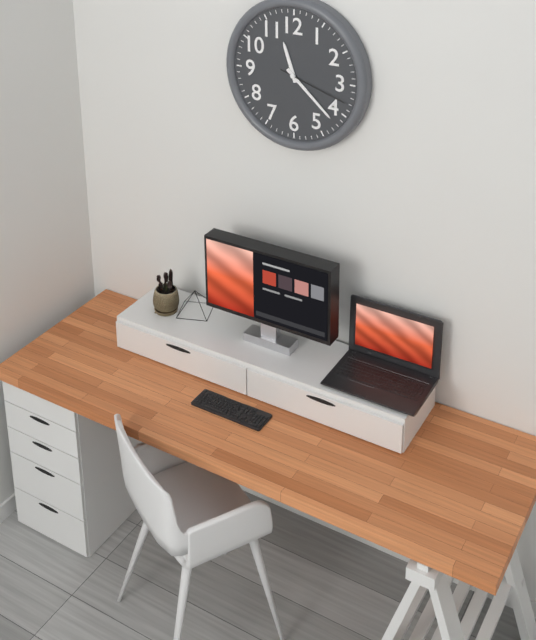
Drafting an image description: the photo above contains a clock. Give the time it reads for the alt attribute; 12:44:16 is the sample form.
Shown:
11:22:18
